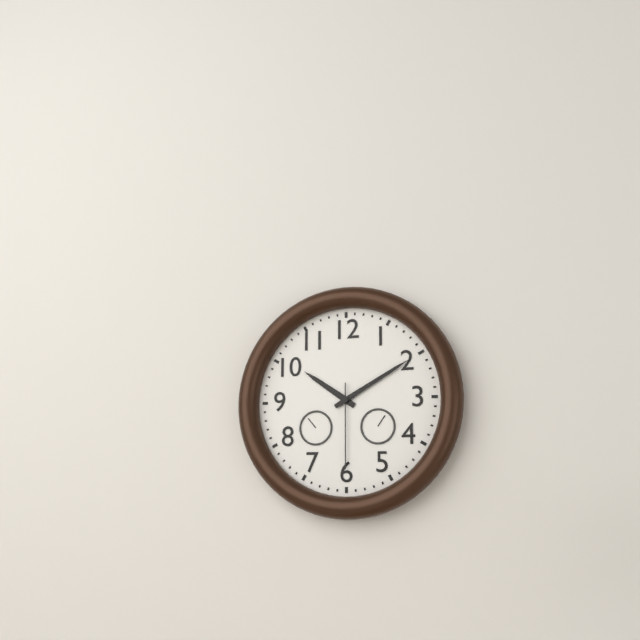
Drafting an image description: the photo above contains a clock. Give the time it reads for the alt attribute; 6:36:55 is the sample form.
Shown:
10:10:30
